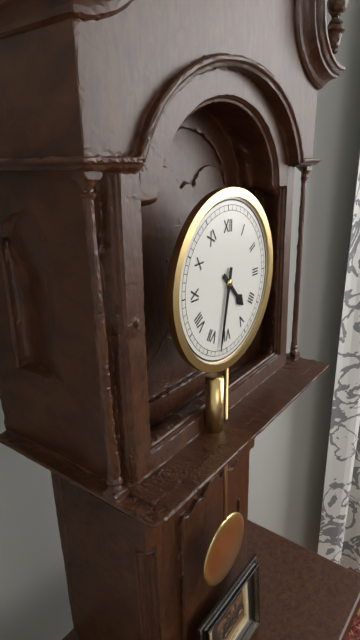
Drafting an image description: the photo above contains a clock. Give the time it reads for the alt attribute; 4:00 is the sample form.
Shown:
4:32
